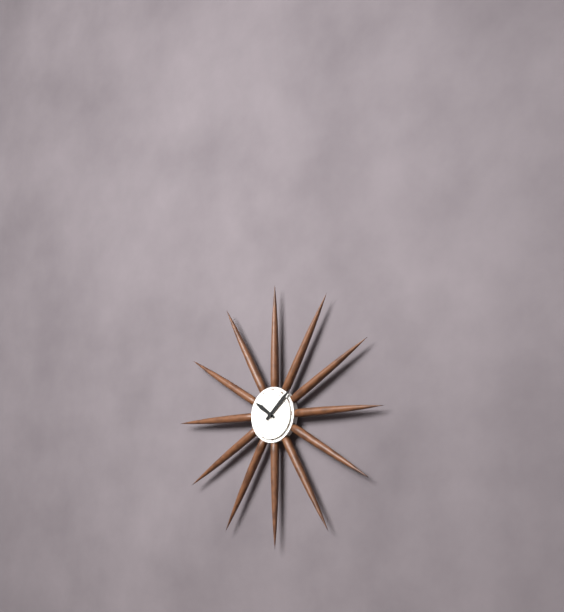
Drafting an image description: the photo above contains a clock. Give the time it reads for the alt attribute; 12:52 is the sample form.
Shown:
10:08
